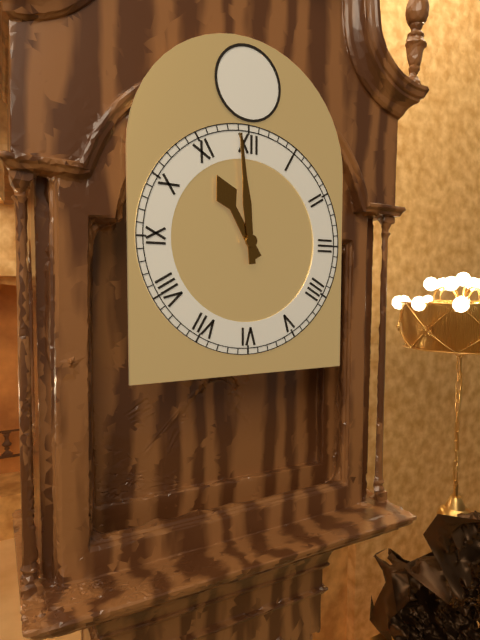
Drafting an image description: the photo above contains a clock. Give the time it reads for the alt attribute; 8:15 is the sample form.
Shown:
10:59
